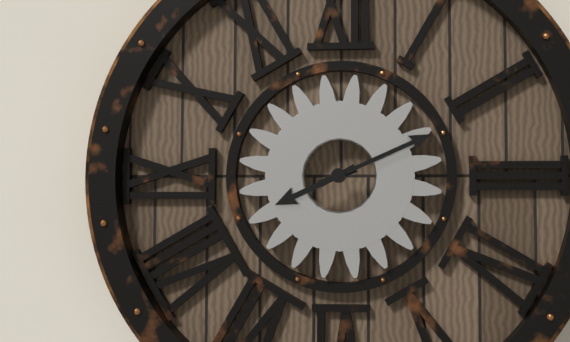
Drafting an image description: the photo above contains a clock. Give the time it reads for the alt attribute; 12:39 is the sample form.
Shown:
8:11
